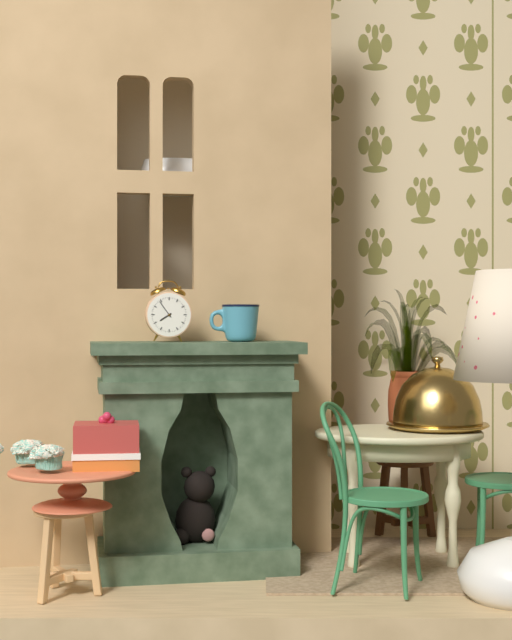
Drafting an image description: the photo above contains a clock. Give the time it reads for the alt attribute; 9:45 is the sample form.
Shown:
7:54
